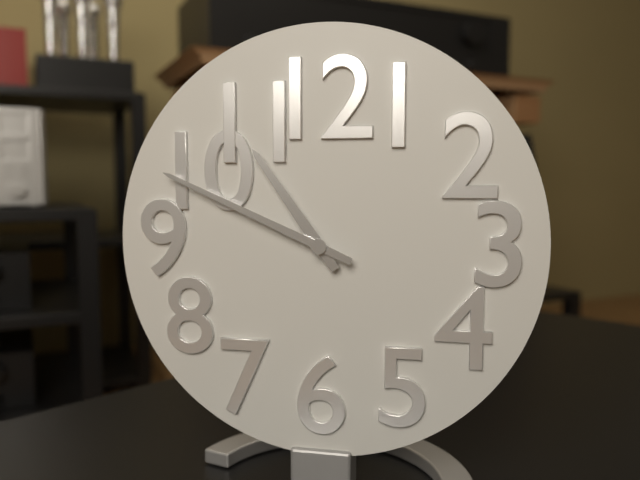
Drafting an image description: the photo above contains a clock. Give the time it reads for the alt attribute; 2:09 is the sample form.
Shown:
10:49
